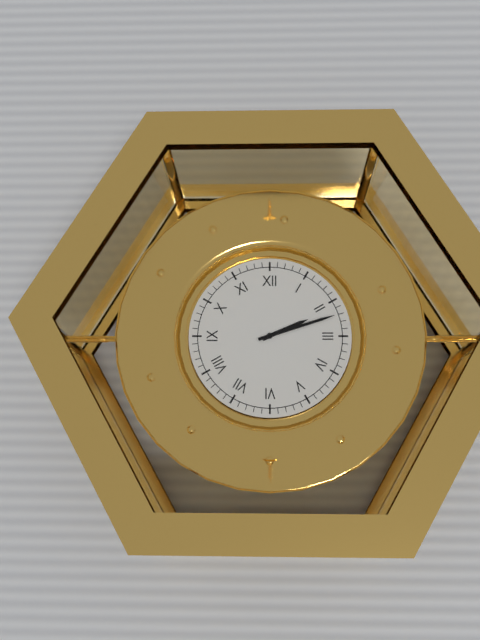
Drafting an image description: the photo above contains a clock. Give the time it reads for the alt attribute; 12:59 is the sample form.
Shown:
2:12
